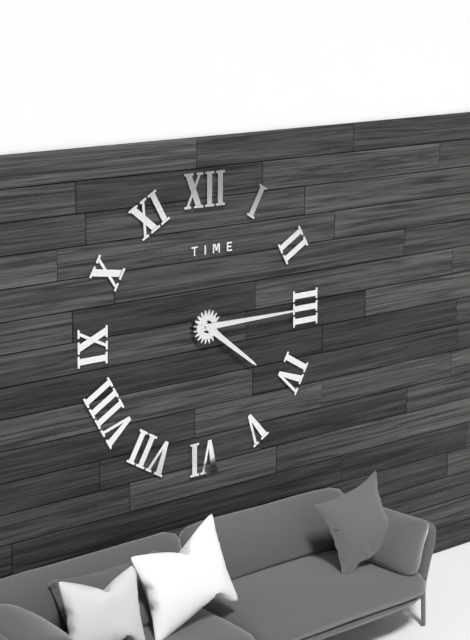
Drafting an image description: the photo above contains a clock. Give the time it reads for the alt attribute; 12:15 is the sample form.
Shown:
4:15
